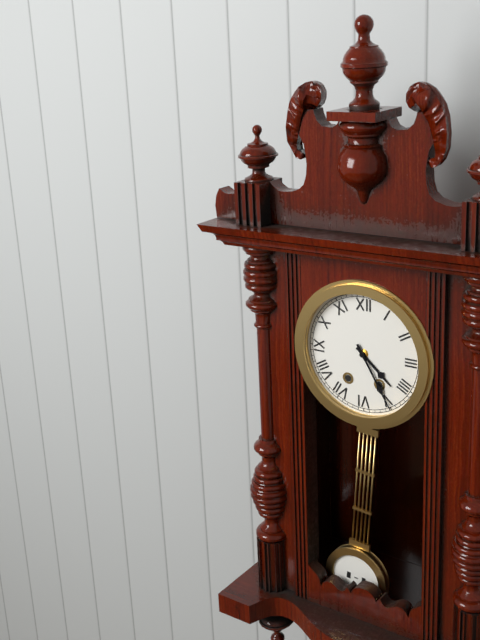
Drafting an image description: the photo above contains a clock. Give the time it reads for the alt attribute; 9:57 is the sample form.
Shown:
4:25
